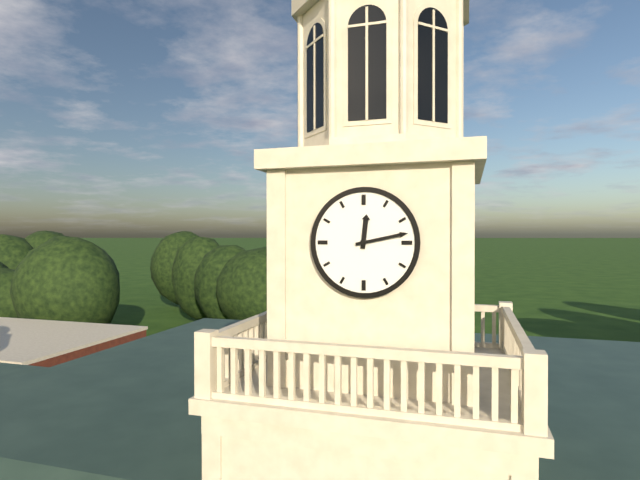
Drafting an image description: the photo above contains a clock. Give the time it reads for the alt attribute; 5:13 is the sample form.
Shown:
12:13
